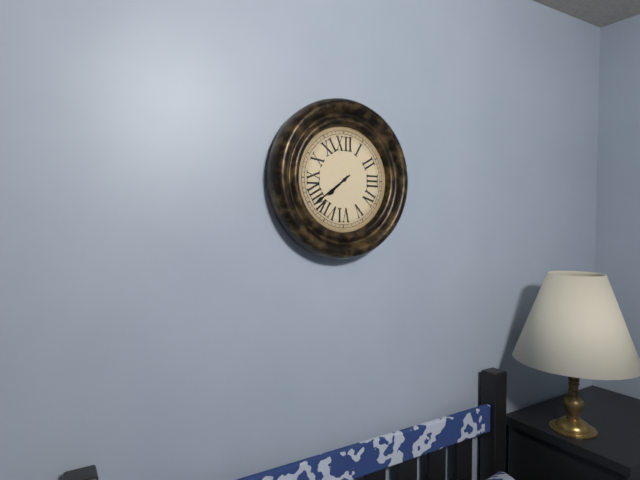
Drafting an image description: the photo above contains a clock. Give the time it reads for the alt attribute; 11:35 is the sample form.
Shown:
7:39
